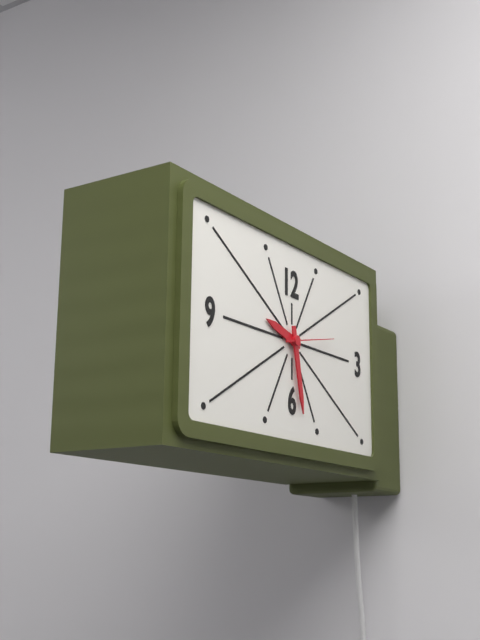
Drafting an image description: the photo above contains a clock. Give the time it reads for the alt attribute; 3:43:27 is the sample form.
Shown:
9:28:13
